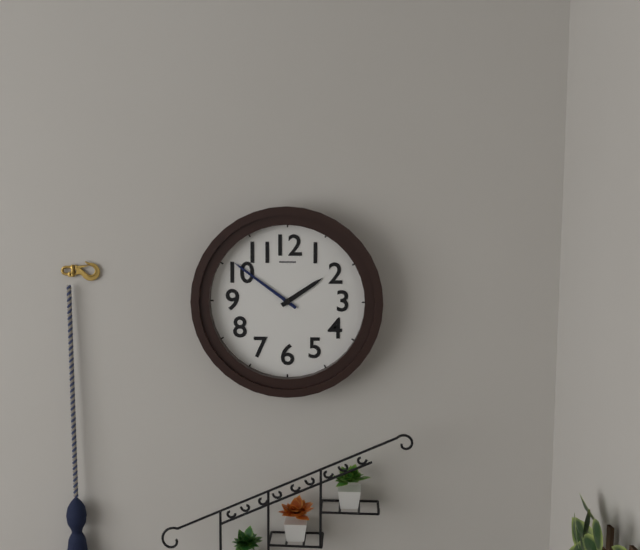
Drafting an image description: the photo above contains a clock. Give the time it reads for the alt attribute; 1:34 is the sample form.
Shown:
1:51
